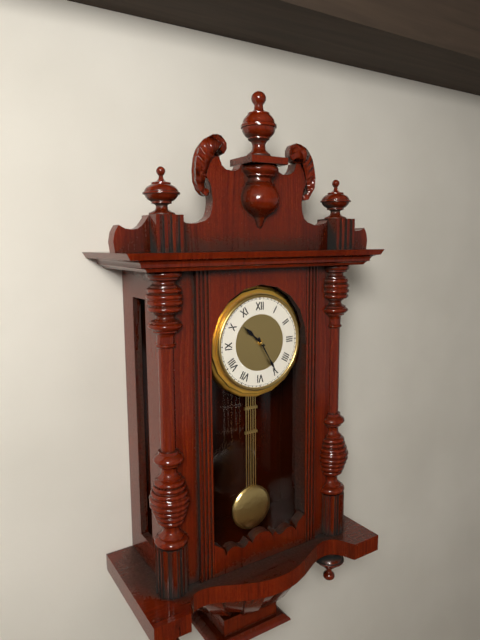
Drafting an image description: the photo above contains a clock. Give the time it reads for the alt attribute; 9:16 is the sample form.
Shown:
10:25
